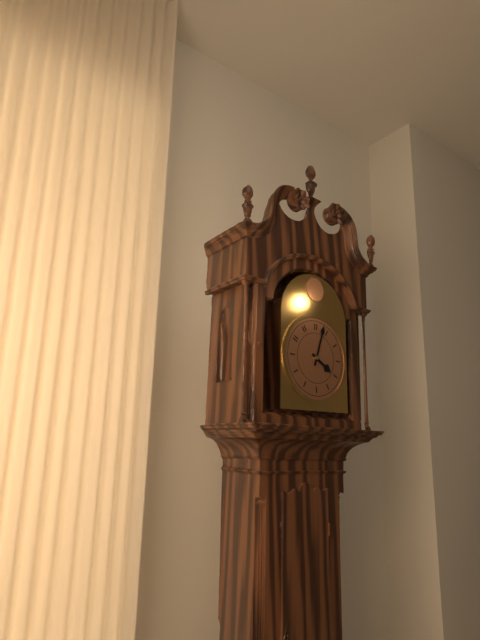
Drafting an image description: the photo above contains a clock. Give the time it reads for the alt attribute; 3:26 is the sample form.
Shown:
4:03
